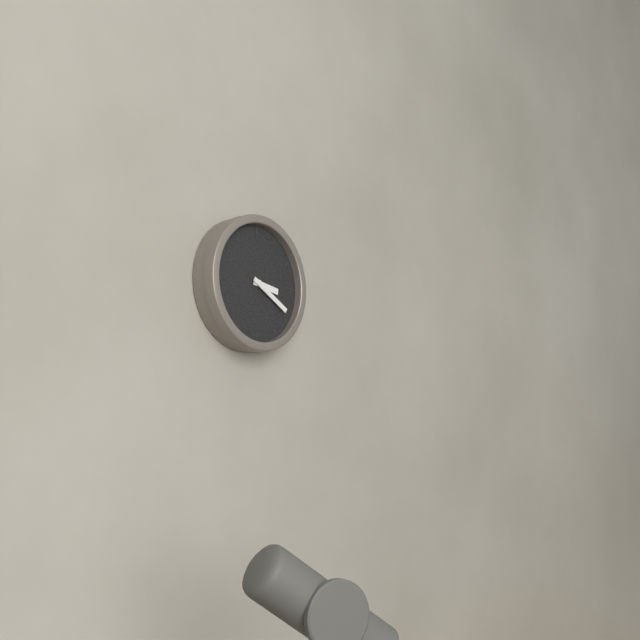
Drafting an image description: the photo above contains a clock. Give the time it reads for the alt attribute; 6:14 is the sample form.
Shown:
3:20
